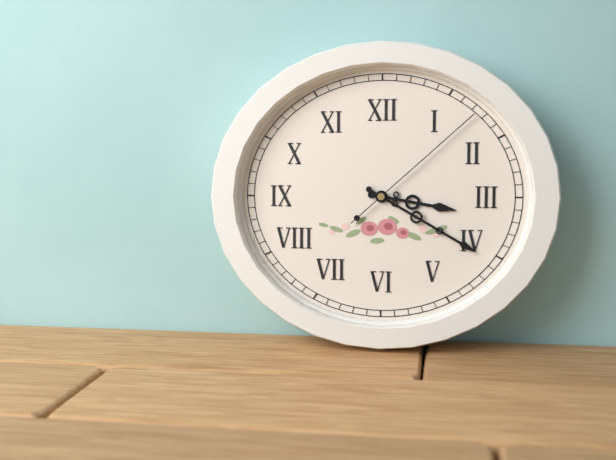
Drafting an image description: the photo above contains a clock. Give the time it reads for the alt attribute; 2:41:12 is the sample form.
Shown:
3:20:08
